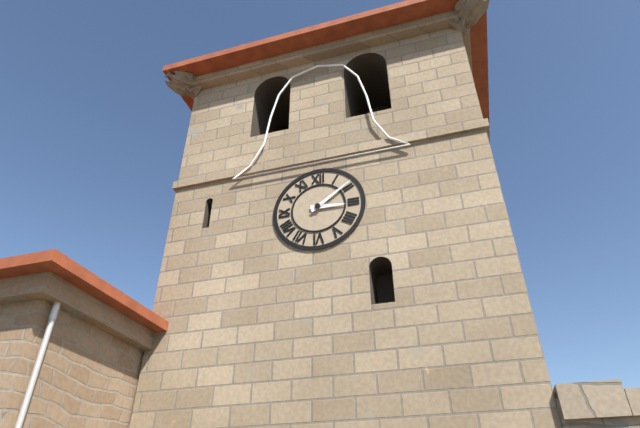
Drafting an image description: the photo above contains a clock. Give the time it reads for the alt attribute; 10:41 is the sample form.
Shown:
3:09
